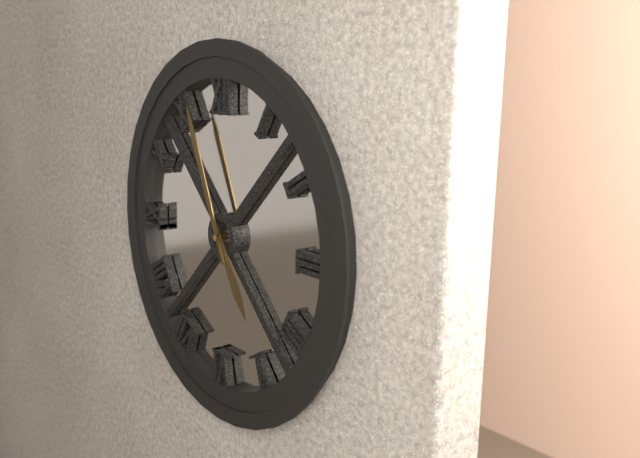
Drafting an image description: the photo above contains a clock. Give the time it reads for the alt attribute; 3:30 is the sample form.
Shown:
4:56
